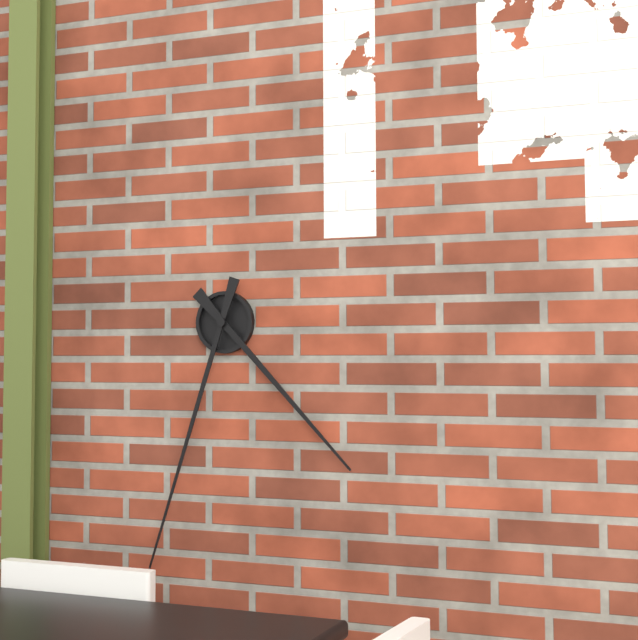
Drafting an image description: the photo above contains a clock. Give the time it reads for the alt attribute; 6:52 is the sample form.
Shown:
4:33
